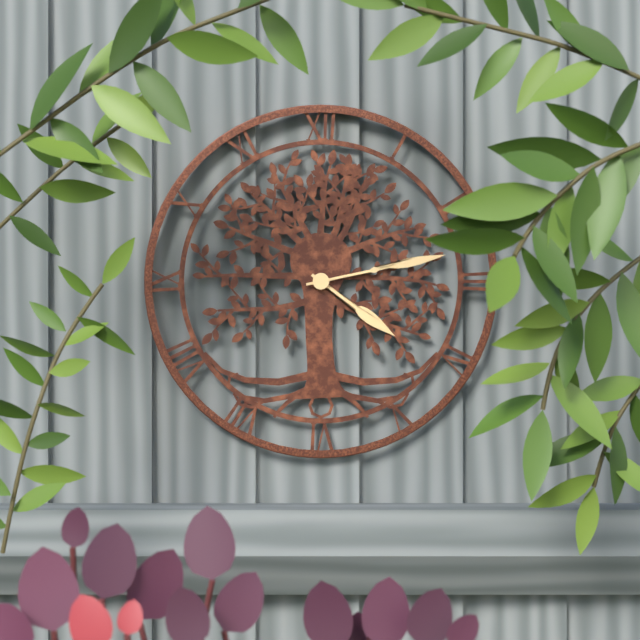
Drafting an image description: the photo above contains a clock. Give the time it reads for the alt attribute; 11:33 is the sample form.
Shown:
4:13
